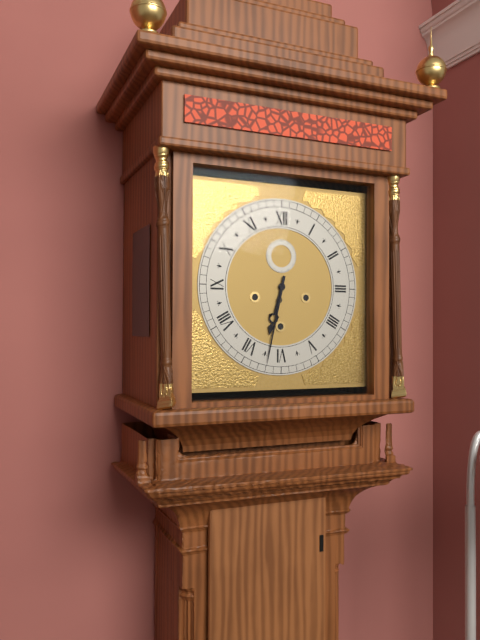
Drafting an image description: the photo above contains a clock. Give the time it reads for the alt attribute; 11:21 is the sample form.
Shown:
6:32
